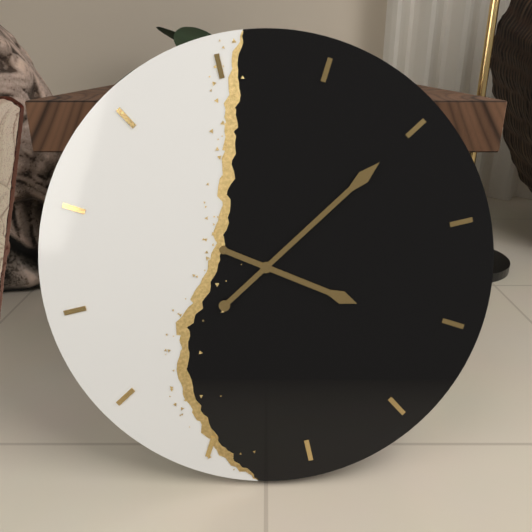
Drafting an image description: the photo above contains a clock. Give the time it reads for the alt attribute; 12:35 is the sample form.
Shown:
4:10
